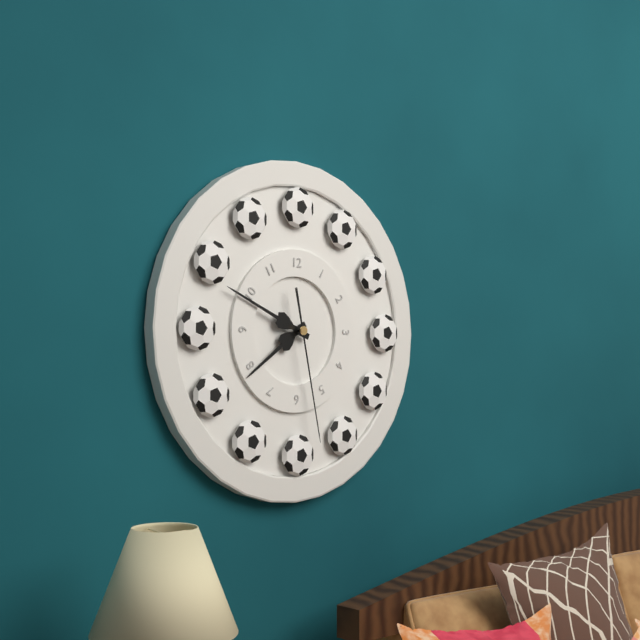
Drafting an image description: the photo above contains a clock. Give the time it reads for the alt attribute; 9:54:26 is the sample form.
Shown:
7:49:28
